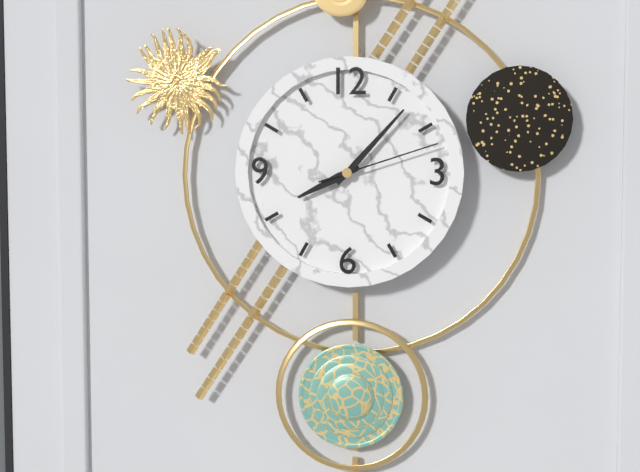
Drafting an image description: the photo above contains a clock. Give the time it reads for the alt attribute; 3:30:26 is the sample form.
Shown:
8:07:12
